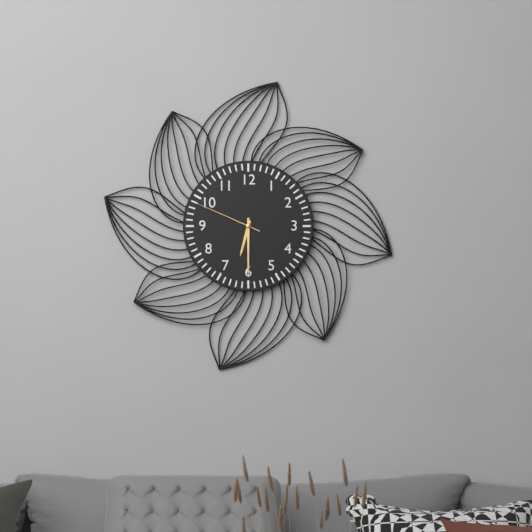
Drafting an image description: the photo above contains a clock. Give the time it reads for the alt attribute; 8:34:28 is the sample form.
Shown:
6:30:49
